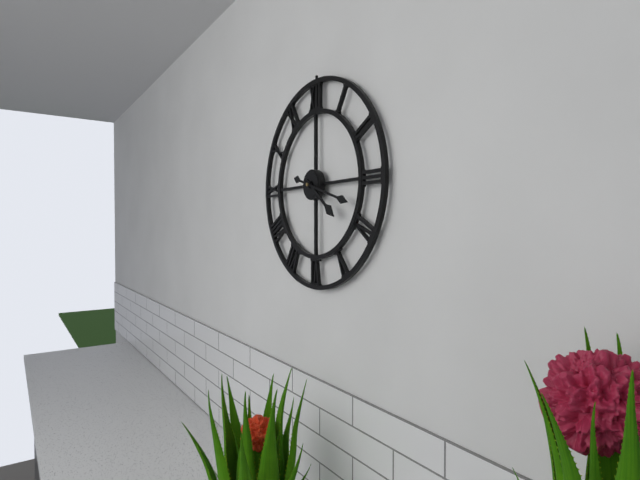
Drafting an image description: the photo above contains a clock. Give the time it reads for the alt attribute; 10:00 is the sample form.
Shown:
4:18
